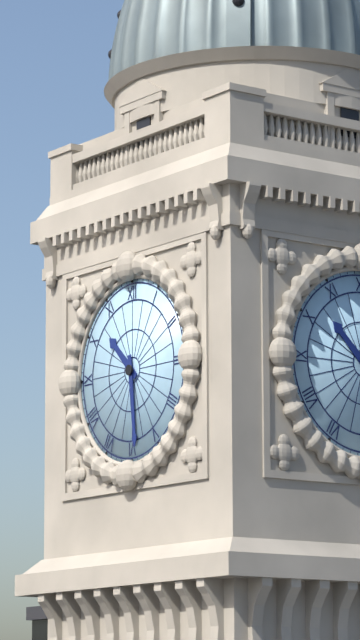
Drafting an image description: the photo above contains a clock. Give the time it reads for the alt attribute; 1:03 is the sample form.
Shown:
10:29
